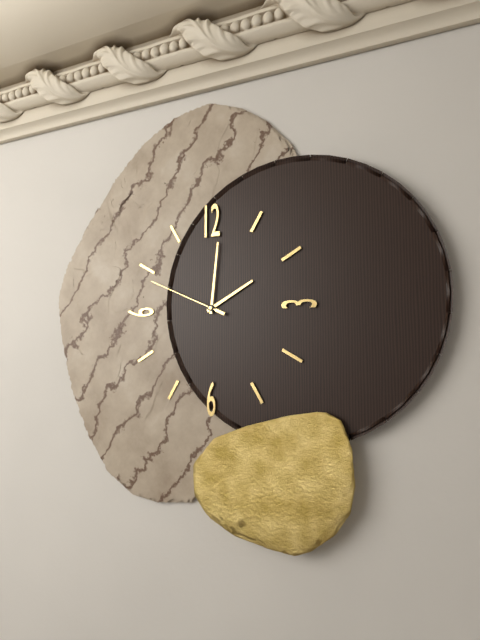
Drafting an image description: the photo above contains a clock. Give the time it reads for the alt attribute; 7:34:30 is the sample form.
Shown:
2:01:49
